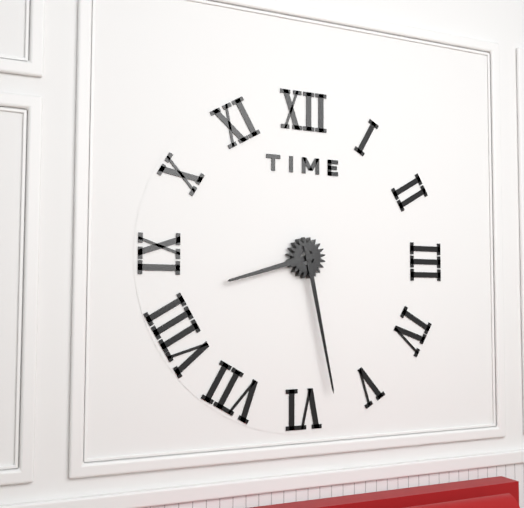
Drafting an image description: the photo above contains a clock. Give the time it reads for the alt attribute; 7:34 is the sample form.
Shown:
8:28
